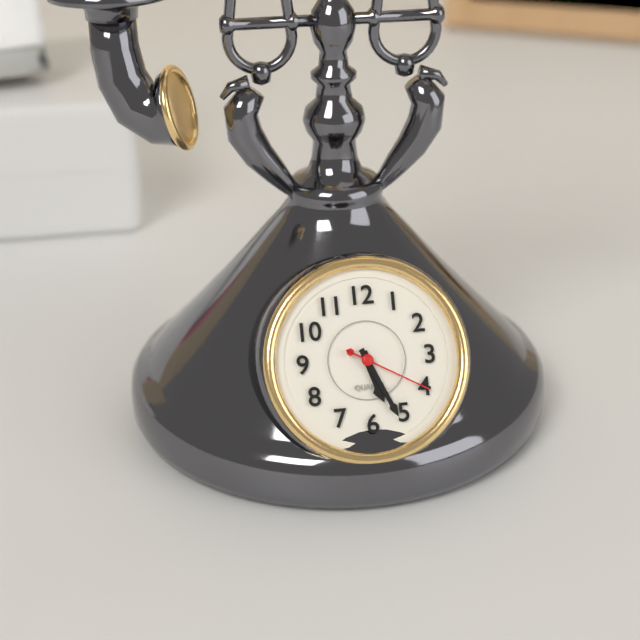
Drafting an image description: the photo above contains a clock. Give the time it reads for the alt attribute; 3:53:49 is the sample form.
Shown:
5:26:20
